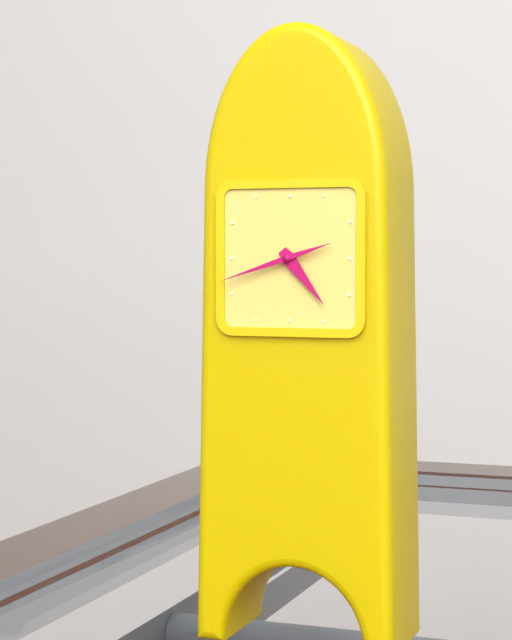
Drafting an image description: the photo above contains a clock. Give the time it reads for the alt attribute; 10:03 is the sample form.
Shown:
4:42
